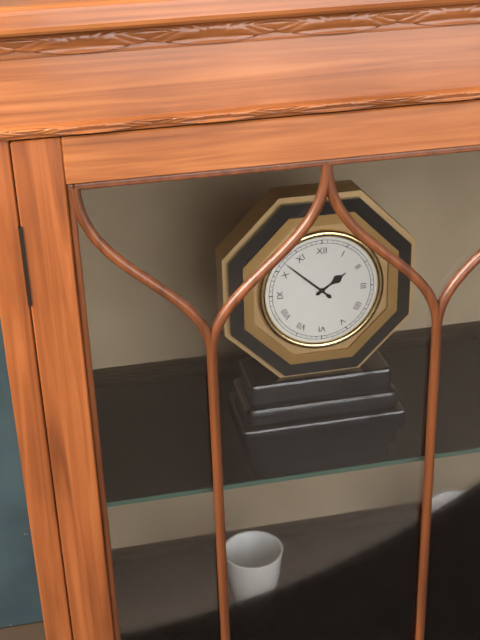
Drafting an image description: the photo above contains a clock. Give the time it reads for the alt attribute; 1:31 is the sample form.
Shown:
1:52
